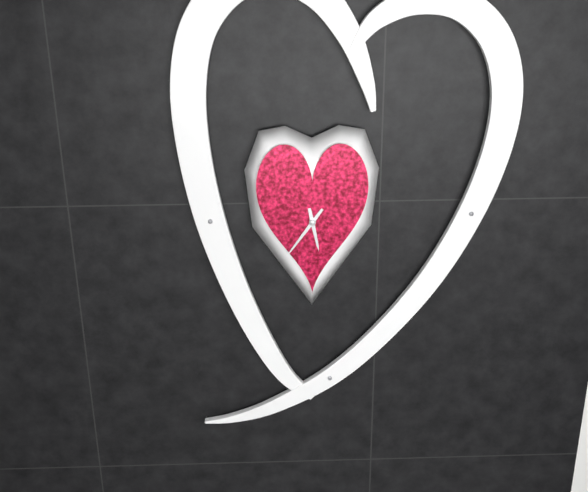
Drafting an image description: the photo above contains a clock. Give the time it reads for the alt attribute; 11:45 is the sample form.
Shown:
5:36
